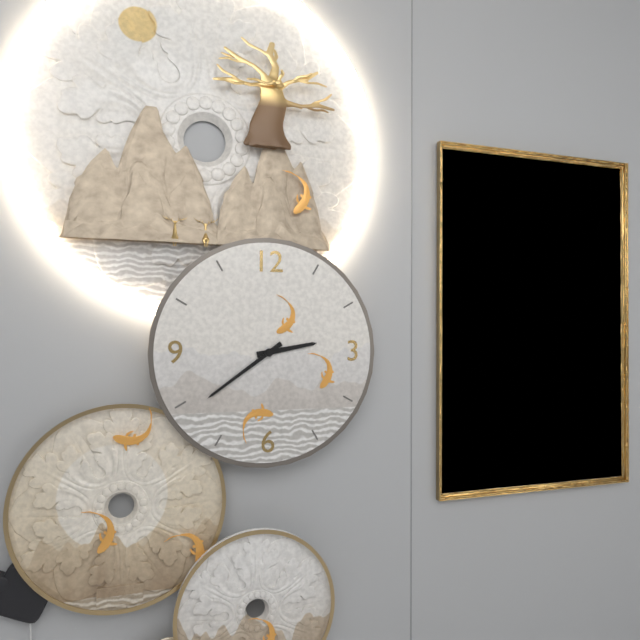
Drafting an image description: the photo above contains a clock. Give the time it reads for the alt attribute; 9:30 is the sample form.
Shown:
2:39
